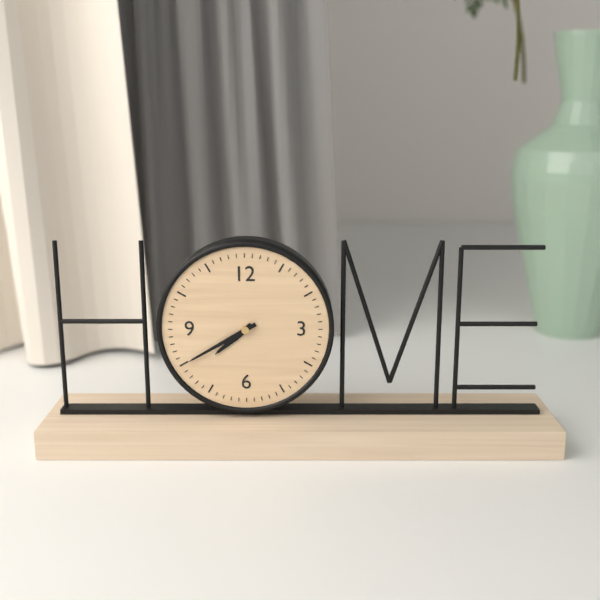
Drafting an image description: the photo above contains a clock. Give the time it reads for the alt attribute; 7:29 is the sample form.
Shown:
7:40
